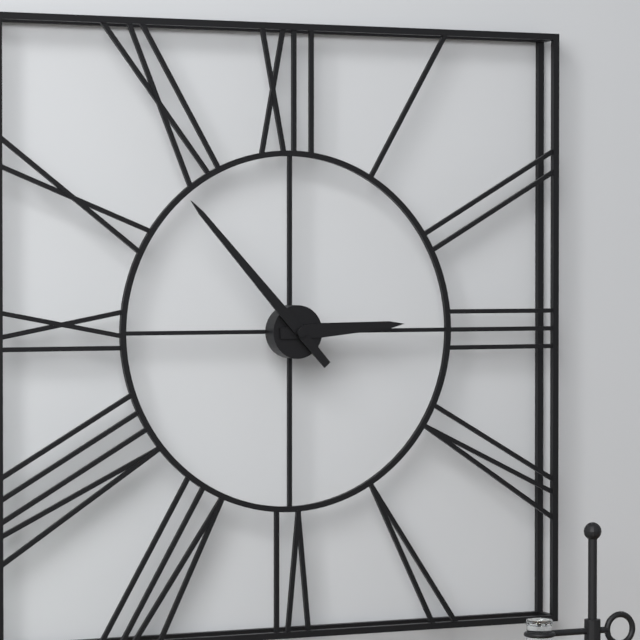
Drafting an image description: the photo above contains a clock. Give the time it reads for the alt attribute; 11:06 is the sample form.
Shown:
2:53
